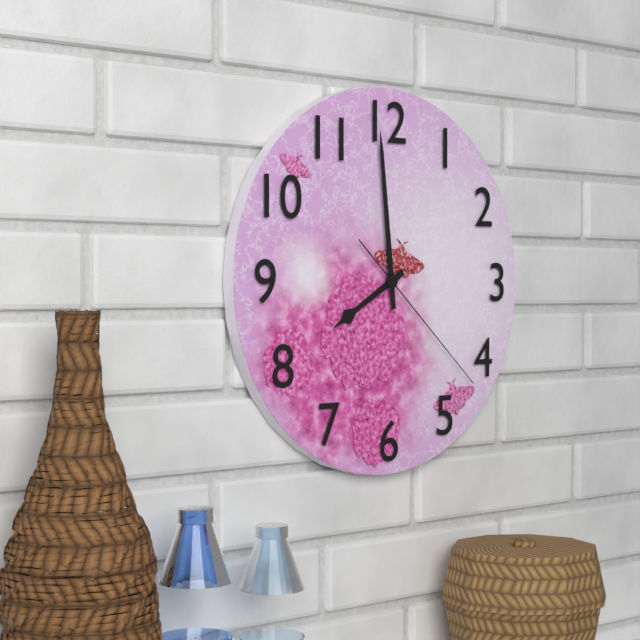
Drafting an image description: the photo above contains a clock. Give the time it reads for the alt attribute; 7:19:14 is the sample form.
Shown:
7:59:22
